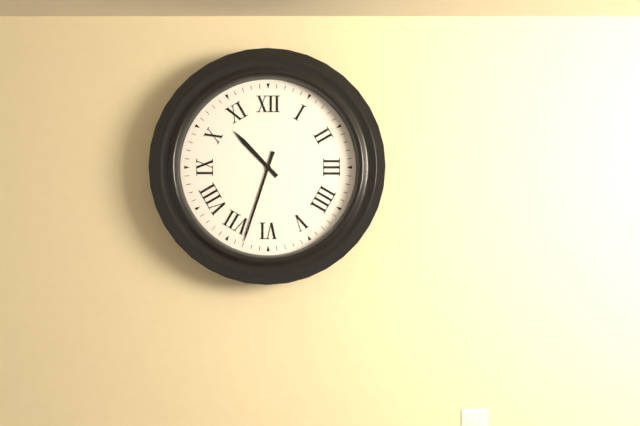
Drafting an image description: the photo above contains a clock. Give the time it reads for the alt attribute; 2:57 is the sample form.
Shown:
10:33
